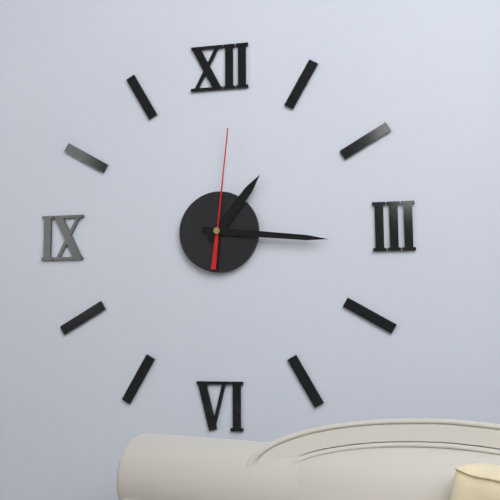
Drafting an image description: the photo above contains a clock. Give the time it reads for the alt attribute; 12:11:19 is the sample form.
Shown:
1:16:01
